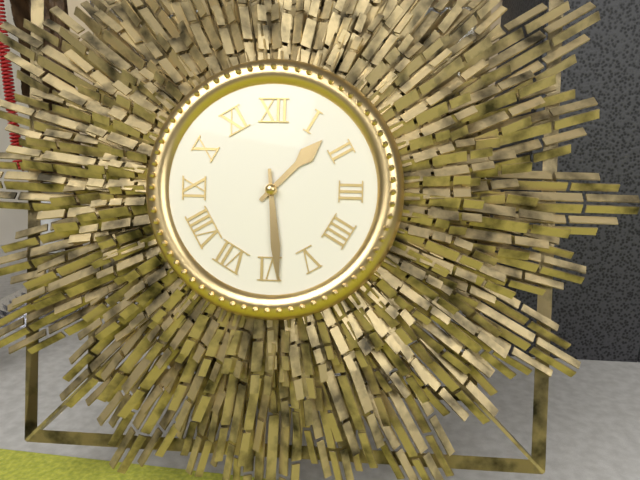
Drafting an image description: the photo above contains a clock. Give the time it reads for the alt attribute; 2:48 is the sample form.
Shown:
1:29
